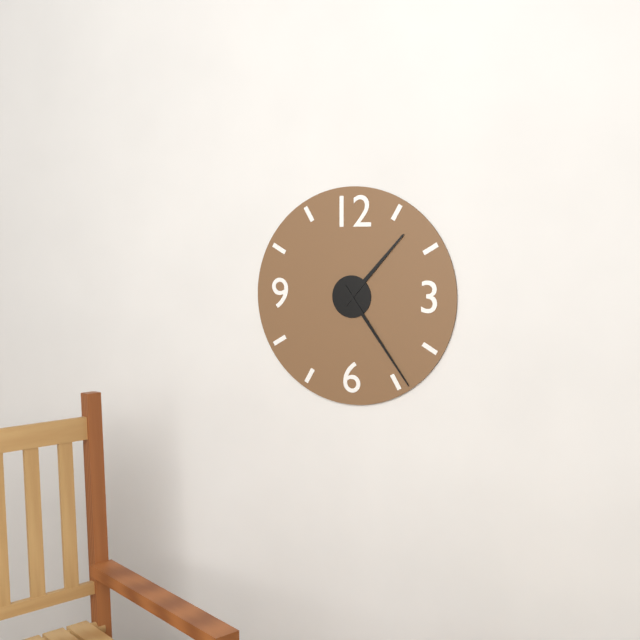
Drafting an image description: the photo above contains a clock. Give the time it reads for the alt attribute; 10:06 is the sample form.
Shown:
1:24
